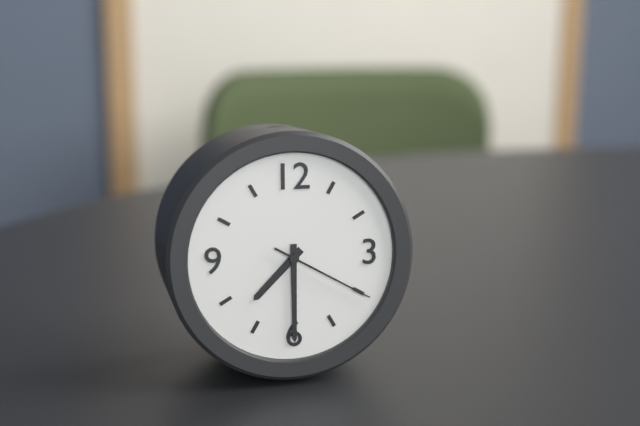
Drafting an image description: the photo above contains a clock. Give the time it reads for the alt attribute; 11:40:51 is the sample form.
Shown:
7:30:20
